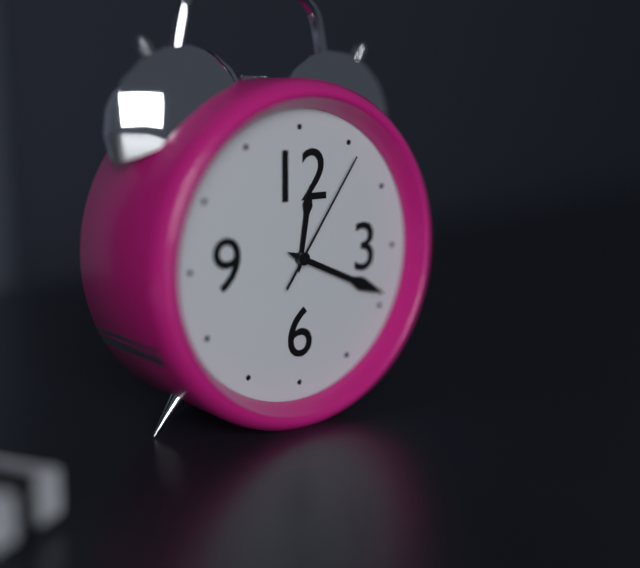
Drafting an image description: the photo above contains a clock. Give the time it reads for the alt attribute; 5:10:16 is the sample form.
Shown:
12:19:06
